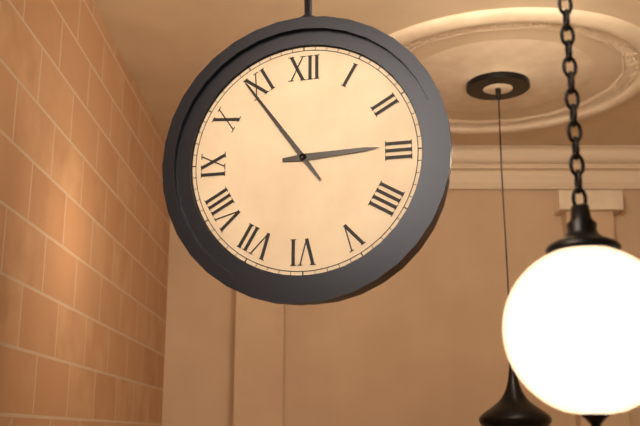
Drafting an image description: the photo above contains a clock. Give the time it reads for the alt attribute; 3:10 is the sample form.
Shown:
2:54
